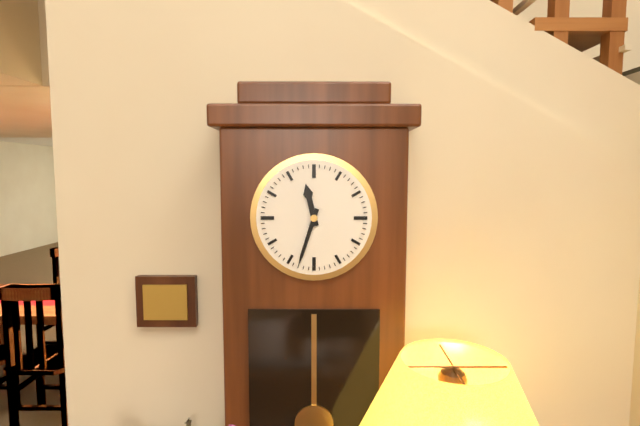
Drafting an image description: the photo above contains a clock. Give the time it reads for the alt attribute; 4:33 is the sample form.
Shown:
11:33
